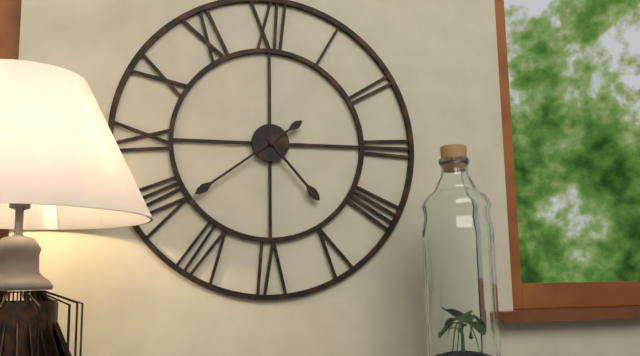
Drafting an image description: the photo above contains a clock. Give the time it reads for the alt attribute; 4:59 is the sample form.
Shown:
4:39
